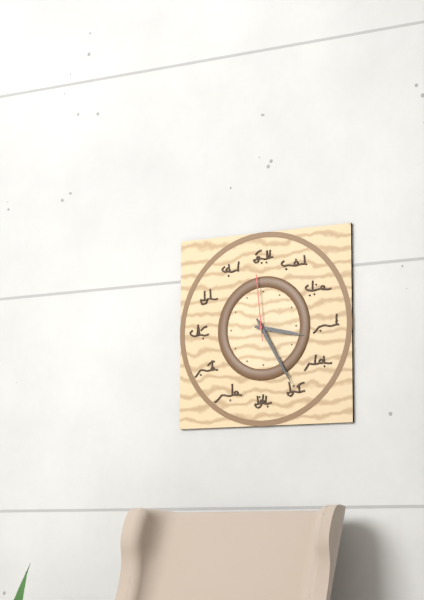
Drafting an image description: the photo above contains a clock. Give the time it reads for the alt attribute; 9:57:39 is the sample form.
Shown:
3:25:59
